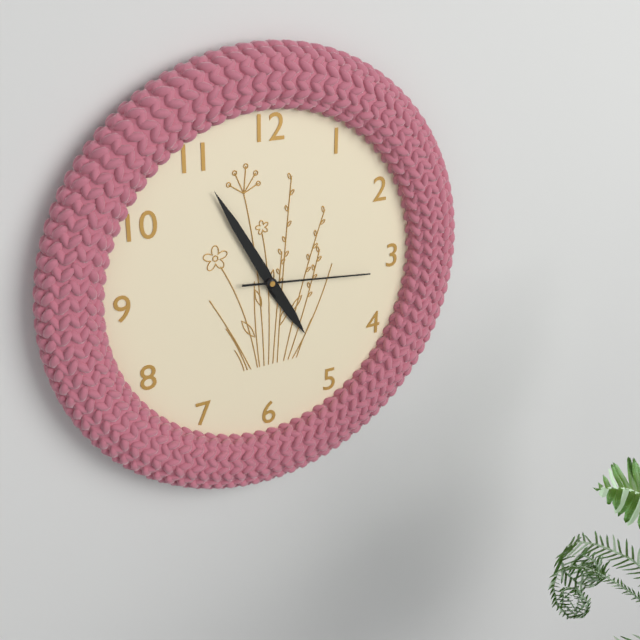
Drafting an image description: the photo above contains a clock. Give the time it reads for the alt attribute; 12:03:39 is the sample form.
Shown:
4:55:16
